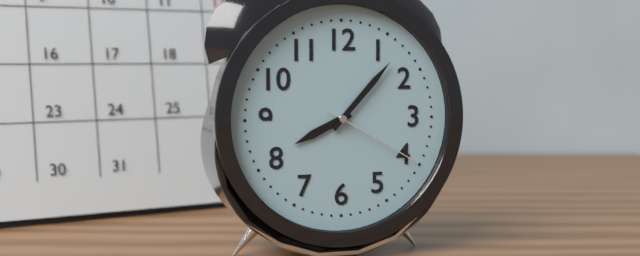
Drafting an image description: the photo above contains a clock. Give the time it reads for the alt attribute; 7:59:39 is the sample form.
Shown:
8:07:20
